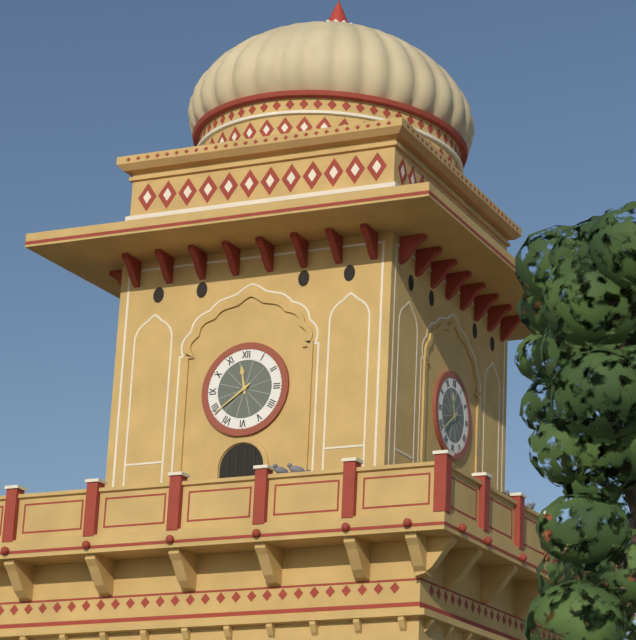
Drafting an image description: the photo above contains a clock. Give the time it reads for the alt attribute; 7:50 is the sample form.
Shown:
11:39
